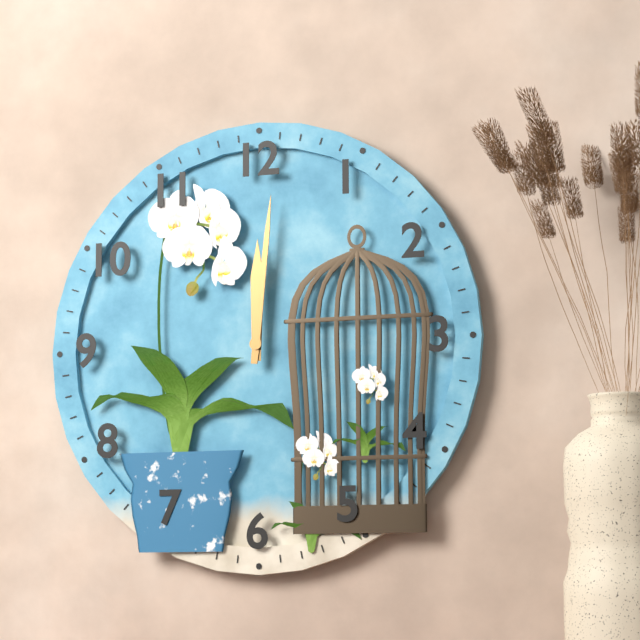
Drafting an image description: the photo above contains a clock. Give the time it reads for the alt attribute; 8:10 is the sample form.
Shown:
12:01
